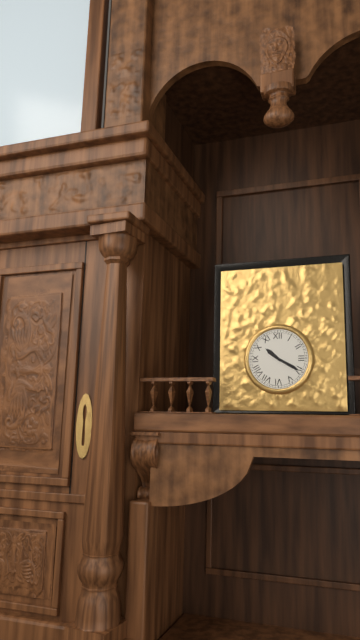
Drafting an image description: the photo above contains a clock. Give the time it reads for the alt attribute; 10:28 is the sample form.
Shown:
10:20
